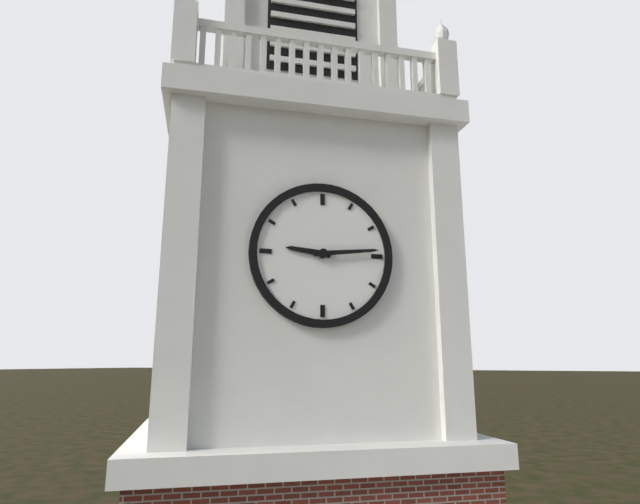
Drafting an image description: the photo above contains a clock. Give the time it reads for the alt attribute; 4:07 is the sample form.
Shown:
9:14
